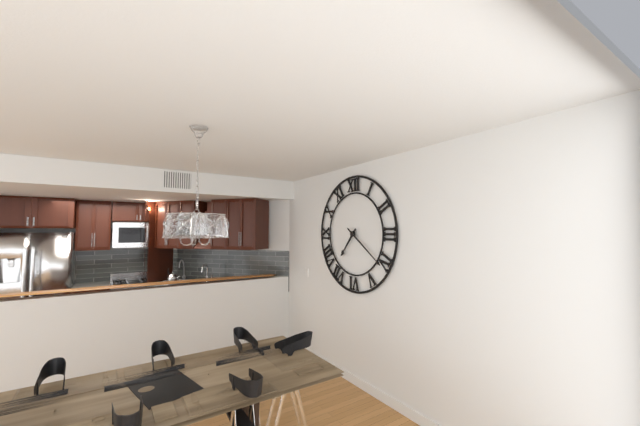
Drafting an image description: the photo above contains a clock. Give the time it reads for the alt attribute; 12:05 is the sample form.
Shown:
7:21
